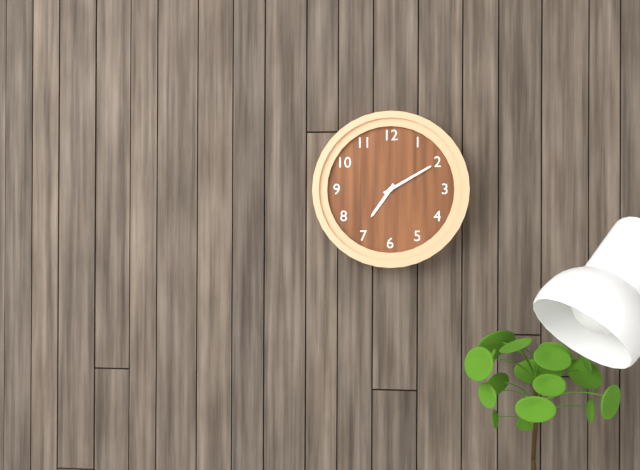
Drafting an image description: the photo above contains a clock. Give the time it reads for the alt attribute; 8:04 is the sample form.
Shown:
7:10
